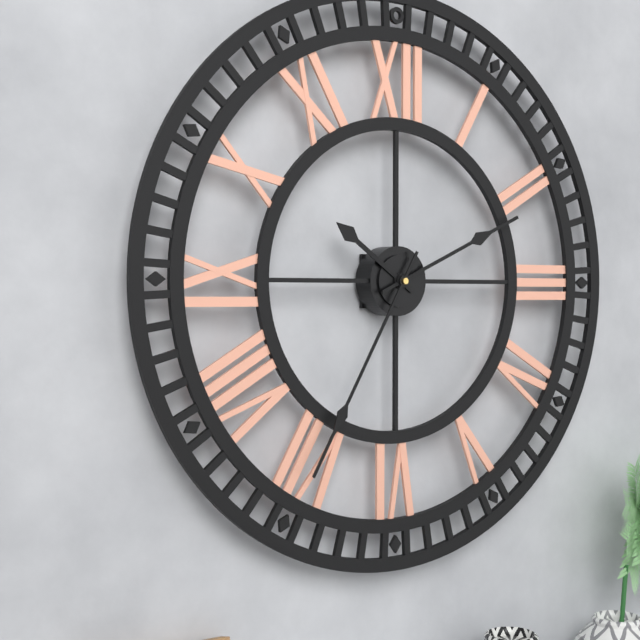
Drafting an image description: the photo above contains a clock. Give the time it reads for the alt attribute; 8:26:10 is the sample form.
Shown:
10:11:35
